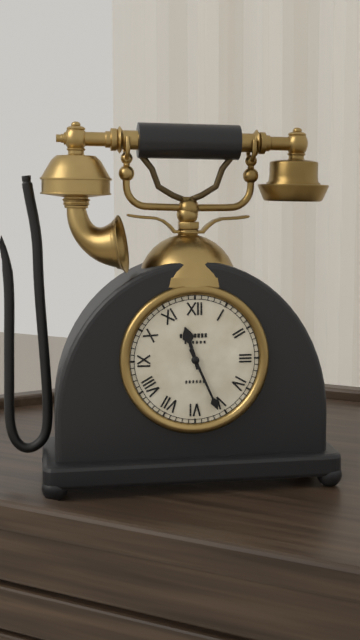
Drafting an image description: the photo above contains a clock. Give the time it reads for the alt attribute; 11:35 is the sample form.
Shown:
11:26
